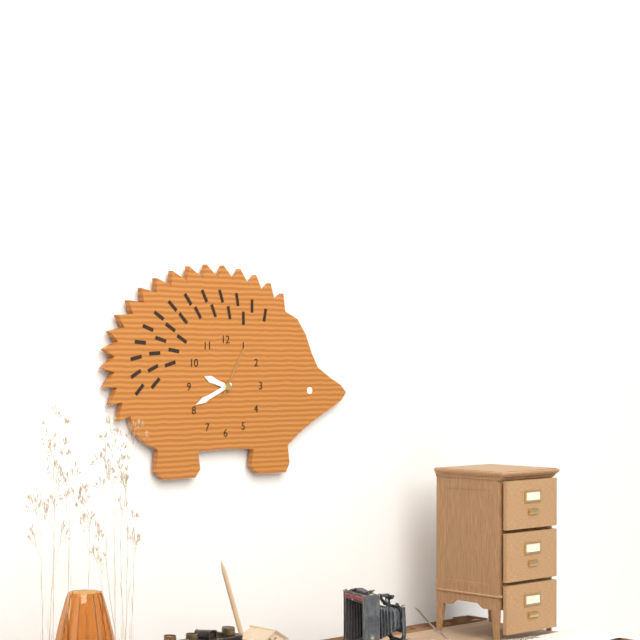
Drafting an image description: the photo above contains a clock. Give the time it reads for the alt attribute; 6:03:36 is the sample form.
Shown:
9:41:05
